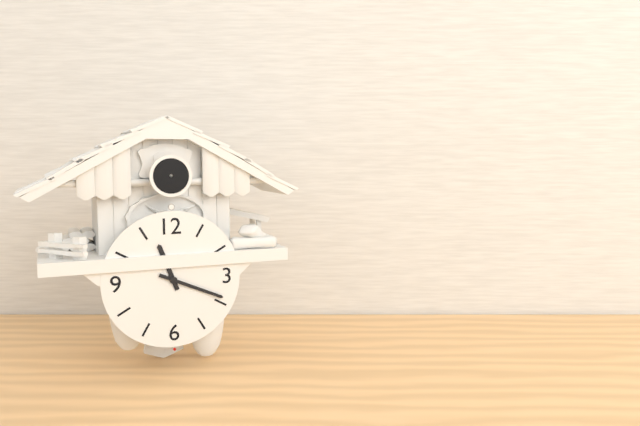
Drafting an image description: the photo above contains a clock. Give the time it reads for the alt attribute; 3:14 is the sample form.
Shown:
11:19
